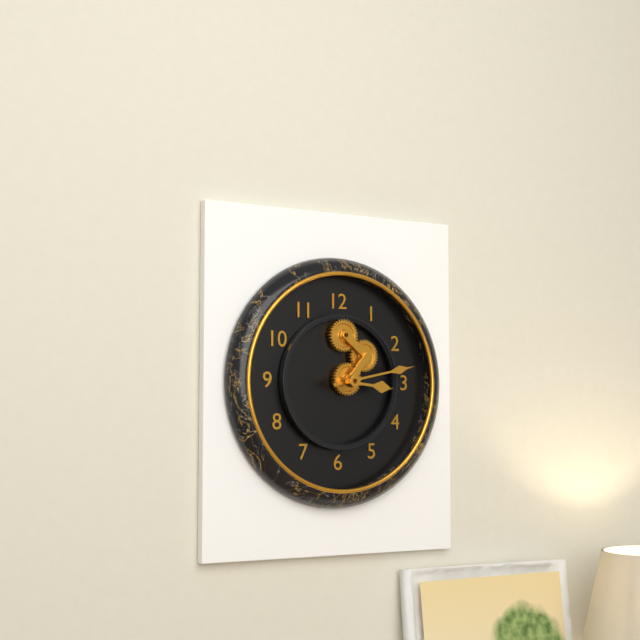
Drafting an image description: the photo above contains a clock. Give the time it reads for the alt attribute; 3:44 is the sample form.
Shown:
3:13
